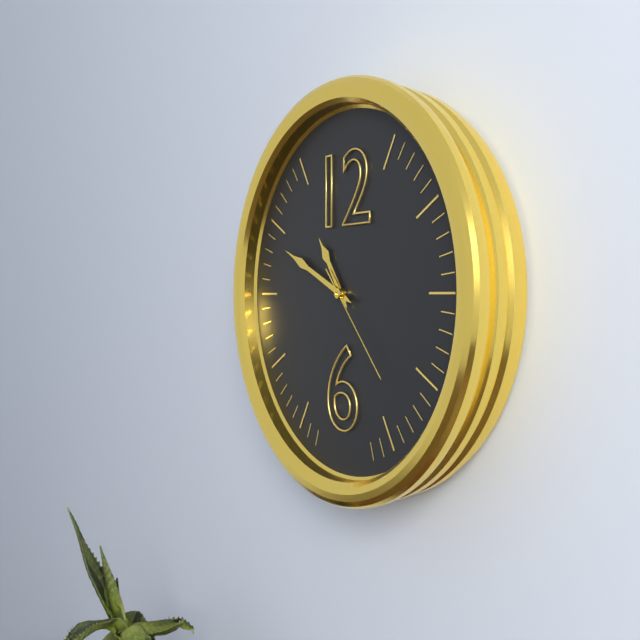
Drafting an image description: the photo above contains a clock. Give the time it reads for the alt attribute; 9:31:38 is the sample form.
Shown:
10:49:23
